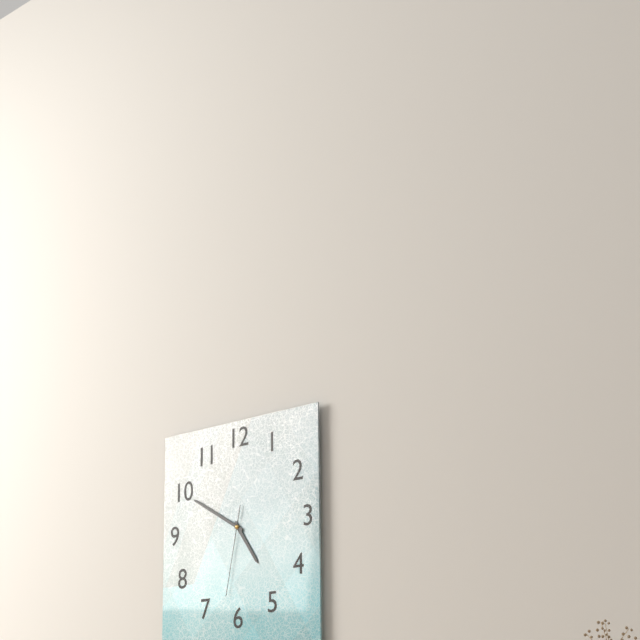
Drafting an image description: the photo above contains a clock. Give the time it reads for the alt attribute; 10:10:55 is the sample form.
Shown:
4:50:32
